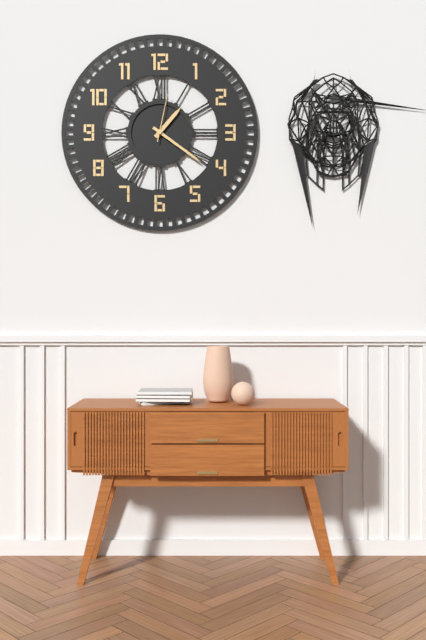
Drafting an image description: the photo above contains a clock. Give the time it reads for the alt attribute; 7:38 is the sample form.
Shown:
1:21
